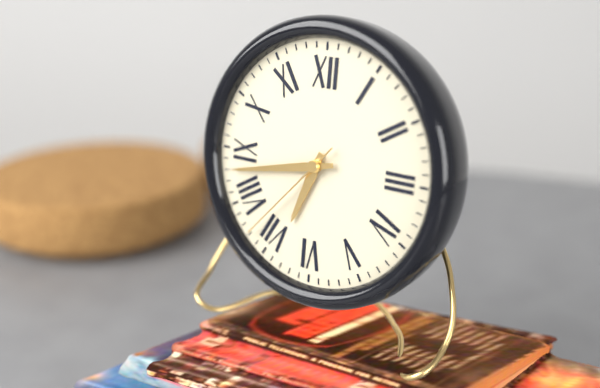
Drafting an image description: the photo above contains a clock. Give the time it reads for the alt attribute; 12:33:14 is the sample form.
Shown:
6:43:37
